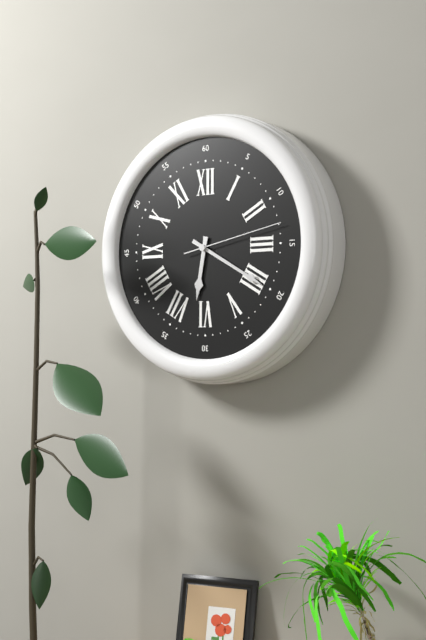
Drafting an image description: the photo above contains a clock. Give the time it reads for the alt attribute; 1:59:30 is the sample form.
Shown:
6:20:13
